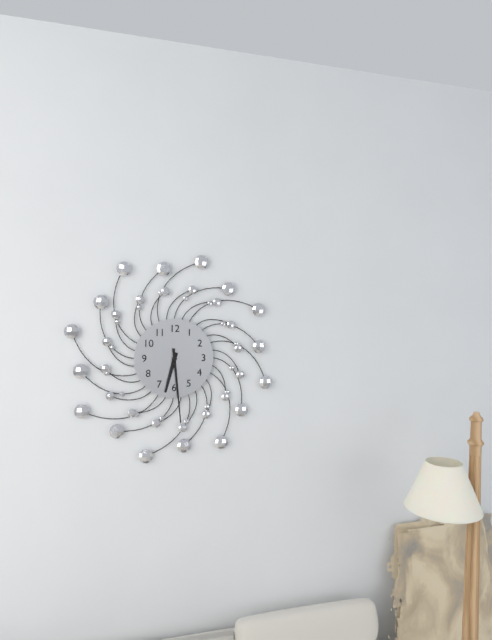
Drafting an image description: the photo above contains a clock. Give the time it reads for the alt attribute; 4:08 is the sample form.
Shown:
6:29
